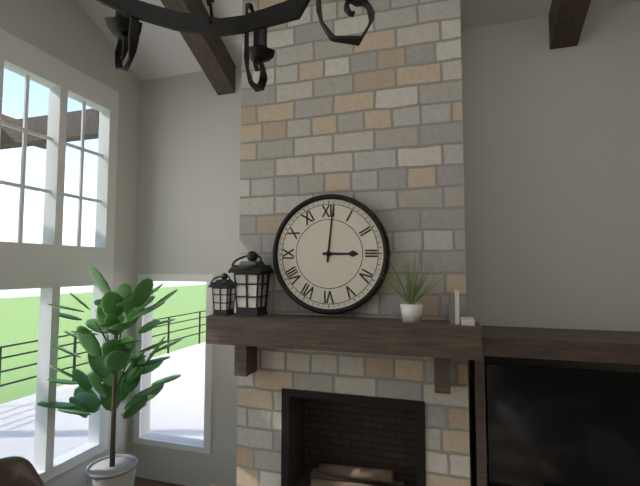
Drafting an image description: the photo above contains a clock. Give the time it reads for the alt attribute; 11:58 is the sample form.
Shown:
3:01
